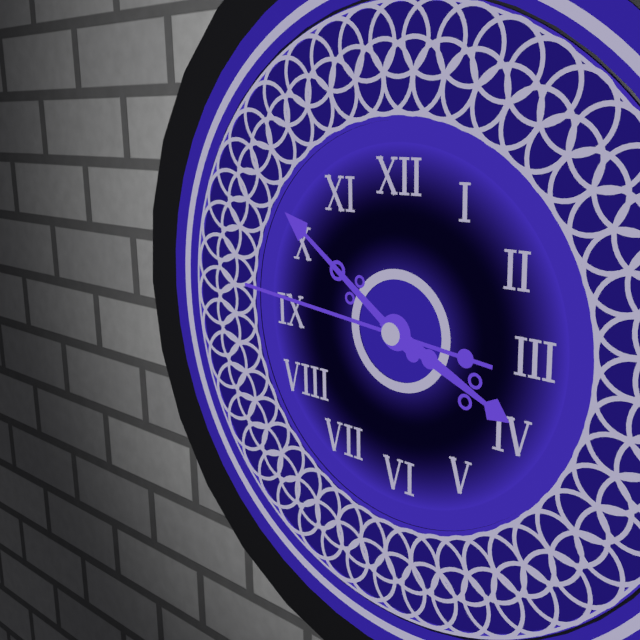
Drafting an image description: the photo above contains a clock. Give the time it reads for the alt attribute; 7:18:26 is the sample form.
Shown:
3:51:46
